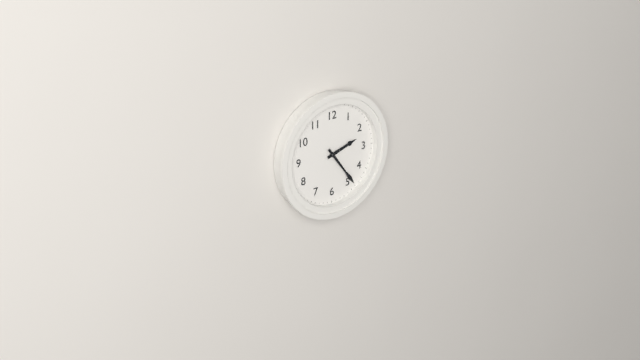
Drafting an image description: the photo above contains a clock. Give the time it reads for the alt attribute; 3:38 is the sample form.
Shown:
2:24
